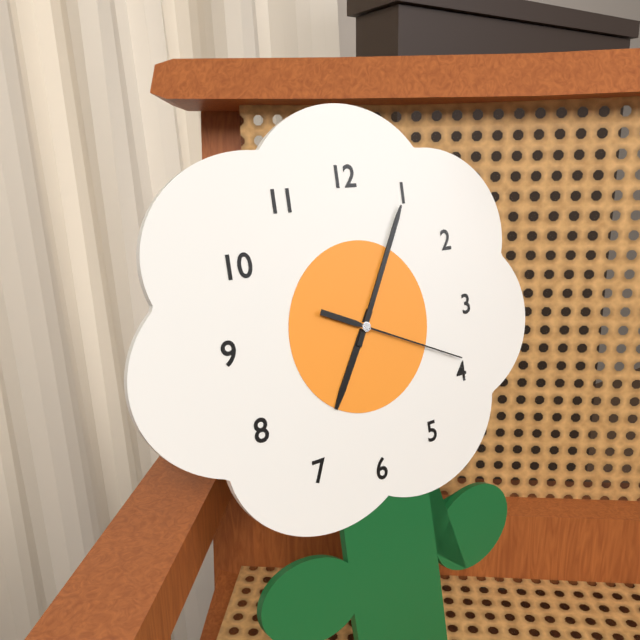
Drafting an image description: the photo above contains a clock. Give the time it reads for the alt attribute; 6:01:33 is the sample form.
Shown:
7:05:19
